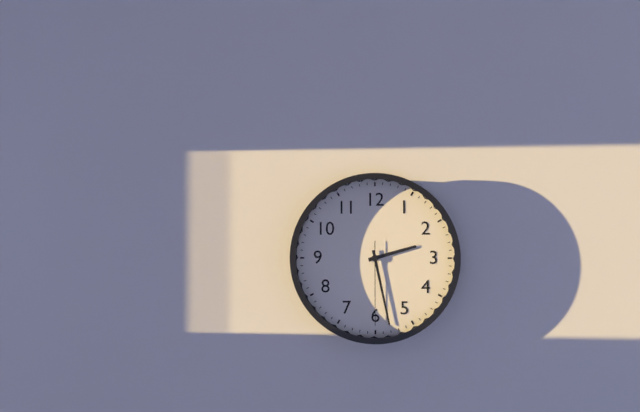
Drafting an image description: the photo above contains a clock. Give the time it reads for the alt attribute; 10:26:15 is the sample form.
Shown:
2:28:30
